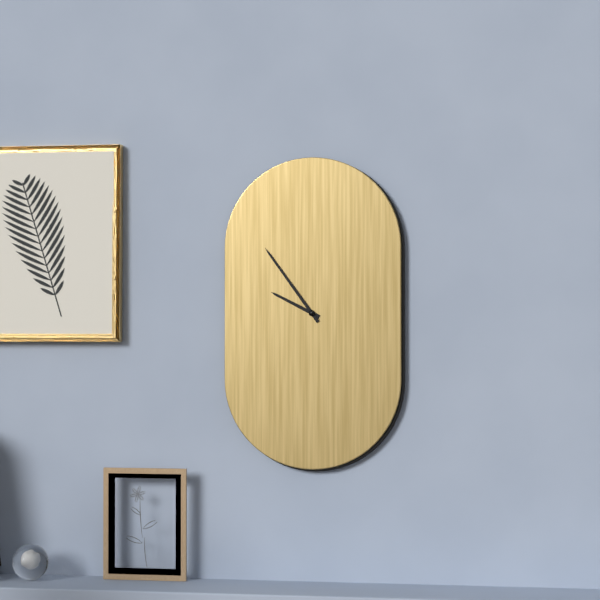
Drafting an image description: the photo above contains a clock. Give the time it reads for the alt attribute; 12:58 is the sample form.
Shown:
9:54
